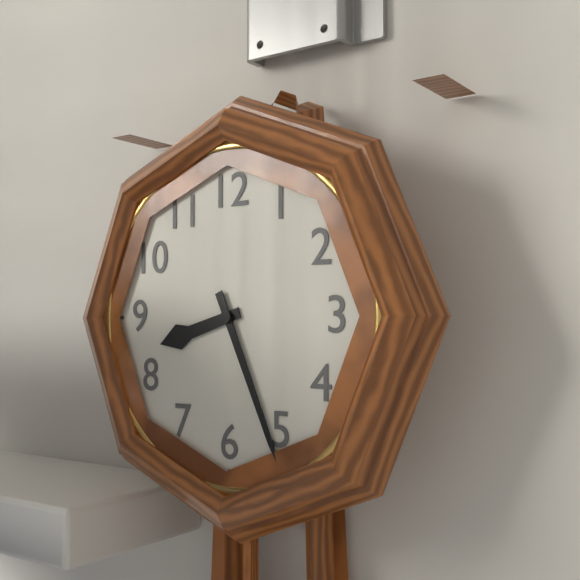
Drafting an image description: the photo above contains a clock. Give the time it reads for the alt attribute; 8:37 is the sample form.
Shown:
8:26
